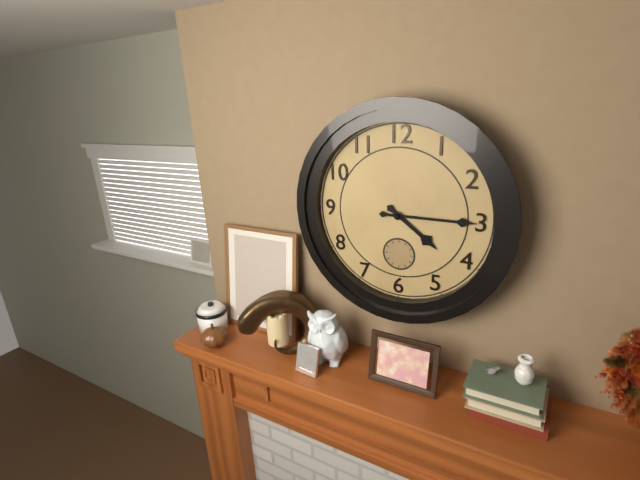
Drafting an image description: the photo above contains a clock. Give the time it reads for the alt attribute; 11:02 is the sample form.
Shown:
4:15
